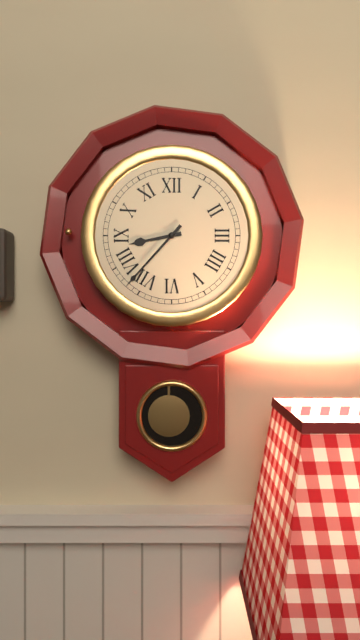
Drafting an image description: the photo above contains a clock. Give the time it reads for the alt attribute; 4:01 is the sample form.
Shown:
8:37
